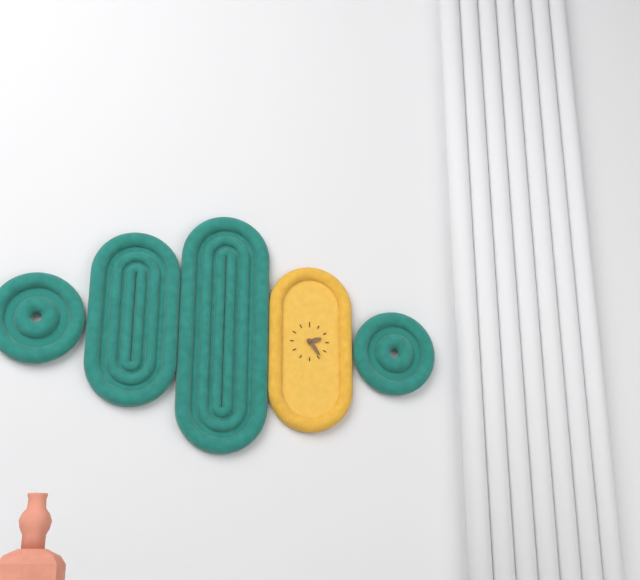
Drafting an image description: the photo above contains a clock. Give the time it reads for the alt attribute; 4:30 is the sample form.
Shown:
2:24
